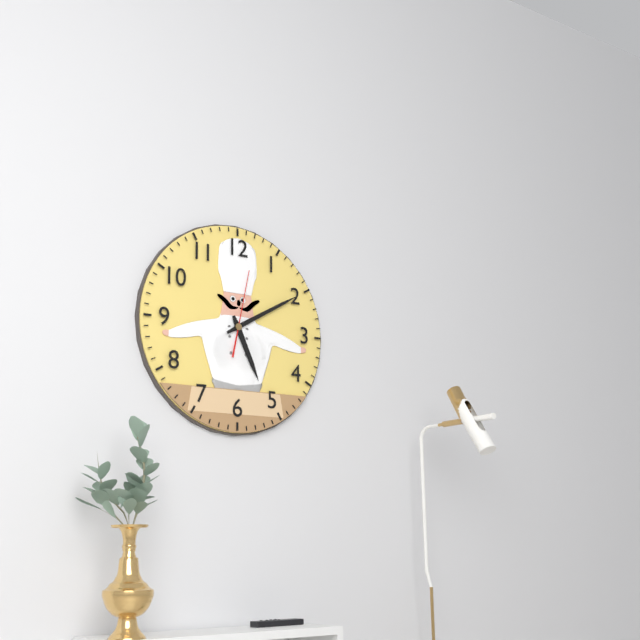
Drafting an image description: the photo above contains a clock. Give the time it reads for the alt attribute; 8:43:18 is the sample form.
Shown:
5:10:02
